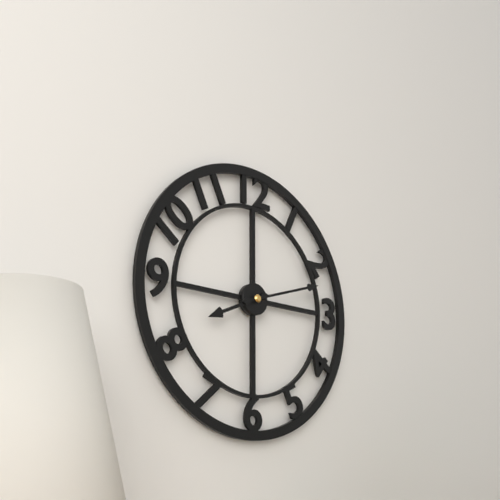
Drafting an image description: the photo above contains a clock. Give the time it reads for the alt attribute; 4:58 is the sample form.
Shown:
8:12
